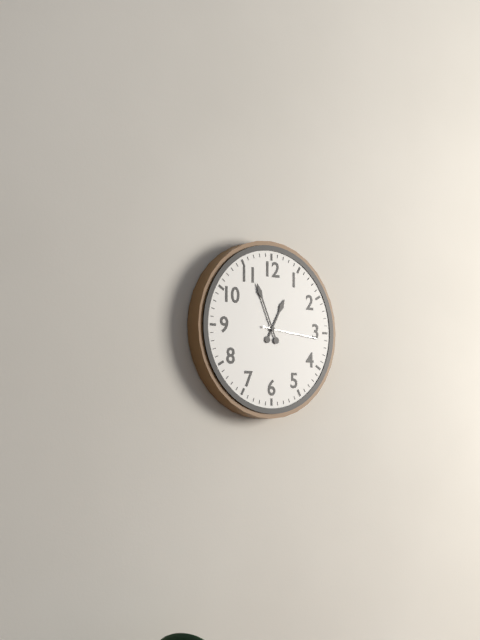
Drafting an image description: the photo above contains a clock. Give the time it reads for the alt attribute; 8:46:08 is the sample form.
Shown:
12:56:16
